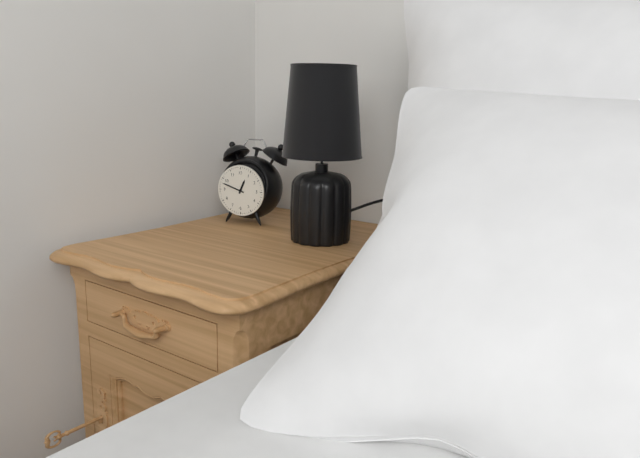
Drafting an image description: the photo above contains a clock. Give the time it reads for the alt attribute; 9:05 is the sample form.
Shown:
12:48
